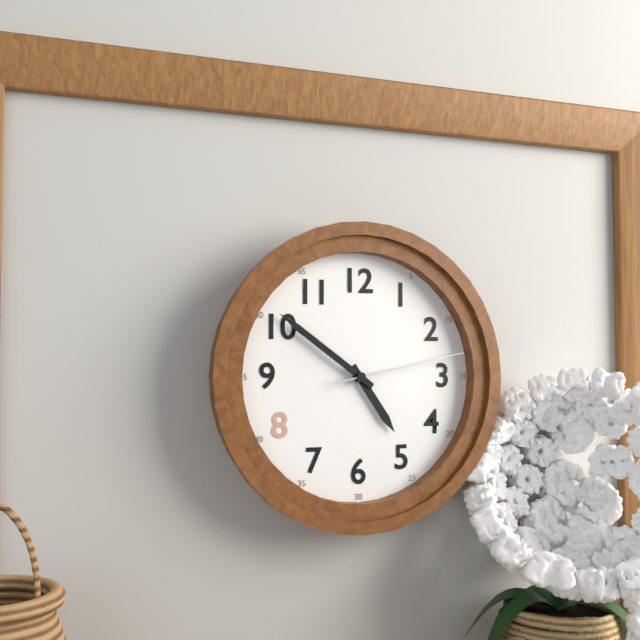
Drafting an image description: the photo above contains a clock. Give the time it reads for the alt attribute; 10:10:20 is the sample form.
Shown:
4:51:13
